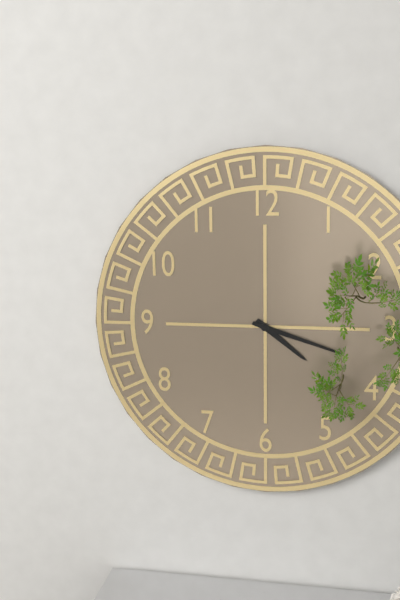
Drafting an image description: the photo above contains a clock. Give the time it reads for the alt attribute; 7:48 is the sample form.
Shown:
4:18
